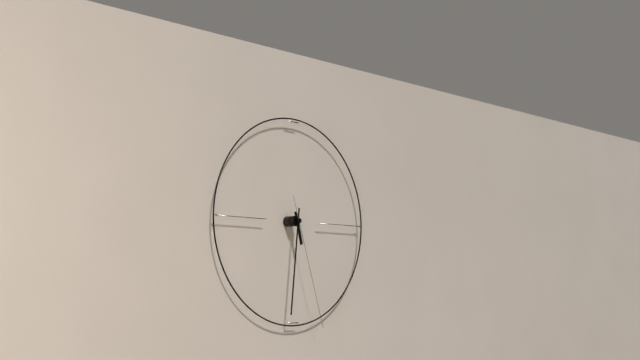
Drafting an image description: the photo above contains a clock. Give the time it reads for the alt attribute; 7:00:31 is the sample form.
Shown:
5:31:27
